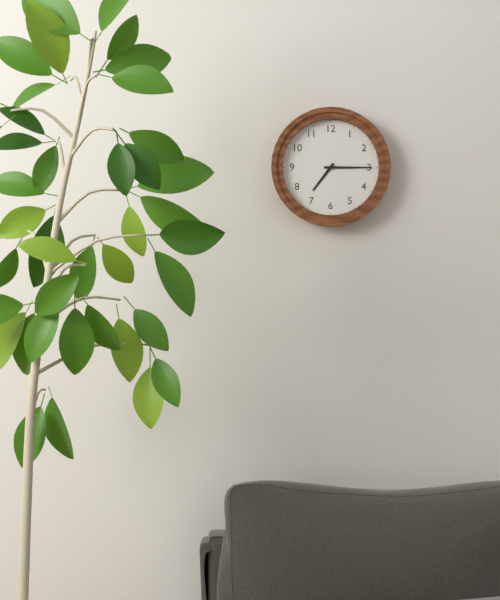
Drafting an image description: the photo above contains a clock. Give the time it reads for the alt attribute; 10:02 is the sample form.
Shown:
7:15
